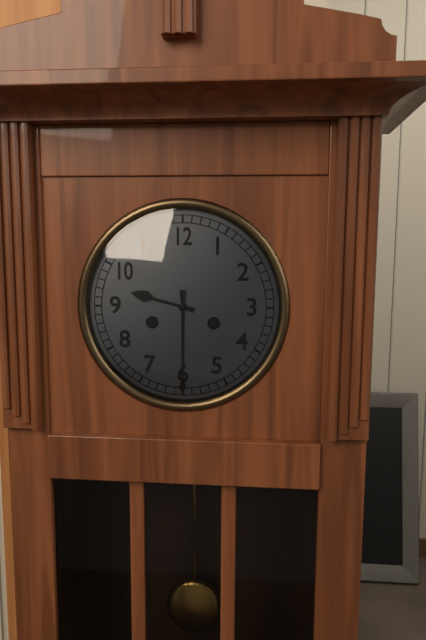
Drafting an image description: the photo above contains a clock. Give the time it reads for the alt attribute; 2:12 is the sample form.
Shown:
9:30
